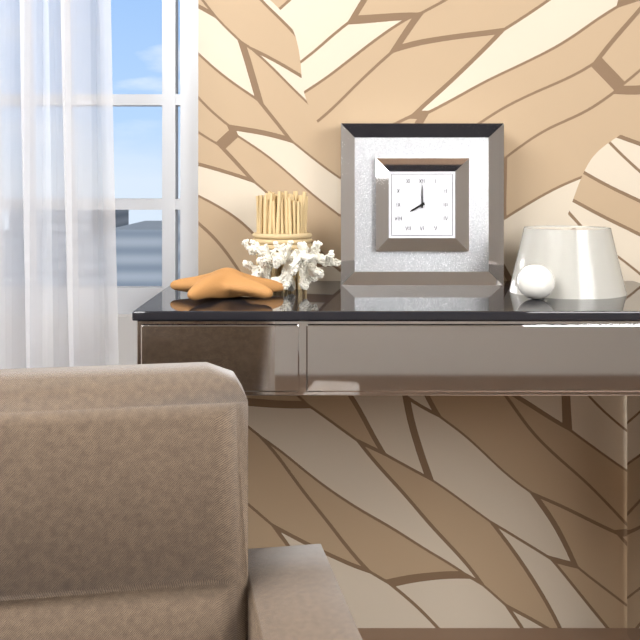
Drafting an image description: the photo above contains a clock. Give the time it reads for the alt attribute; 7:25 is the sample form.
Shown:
8:00
